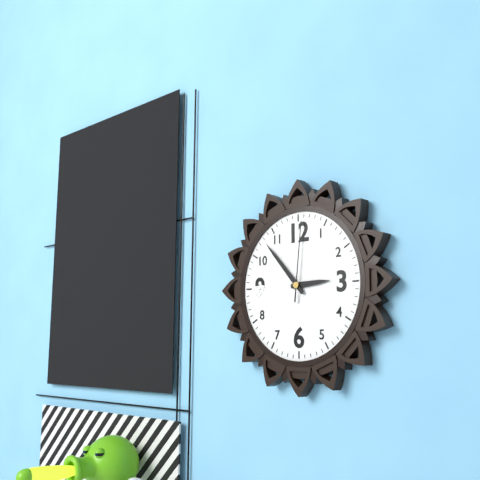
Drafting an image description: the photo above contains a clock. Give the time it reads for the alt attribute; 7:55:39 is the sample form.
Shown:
2:53:01
